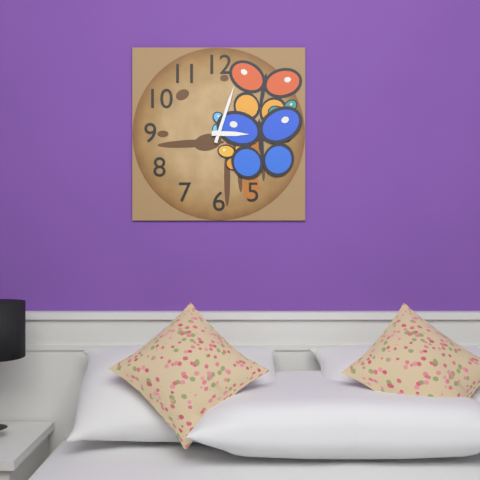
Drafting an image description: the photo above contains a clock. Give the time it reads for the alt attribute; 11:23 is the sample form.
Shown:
3:03
